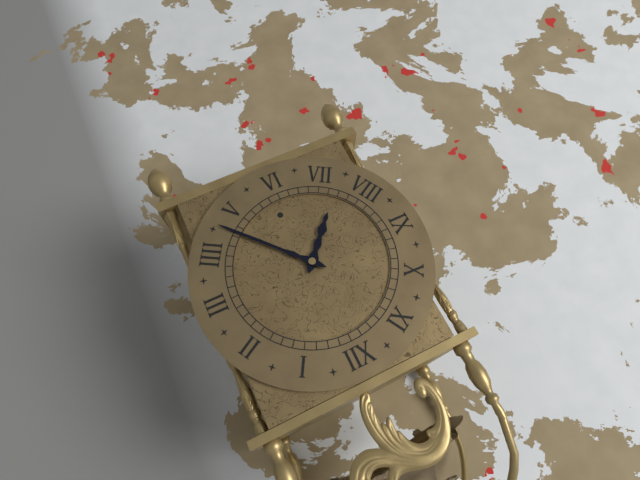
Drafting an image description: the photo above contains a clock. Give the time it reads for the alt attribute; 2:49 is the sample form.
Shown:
7:23
